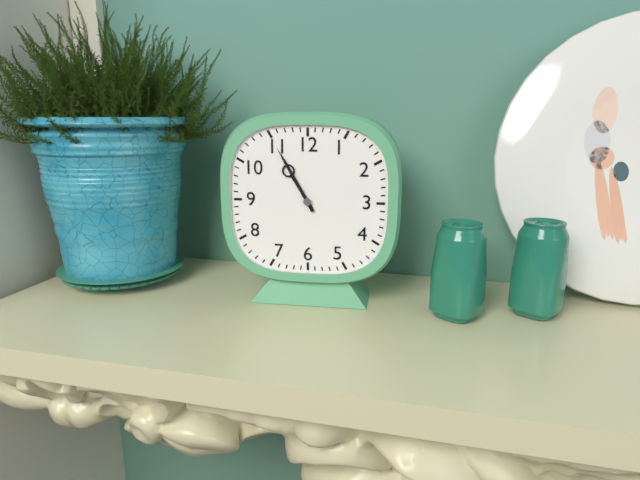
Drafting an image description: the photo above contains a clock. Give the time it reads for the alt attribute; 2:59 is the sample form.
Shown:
10:55
